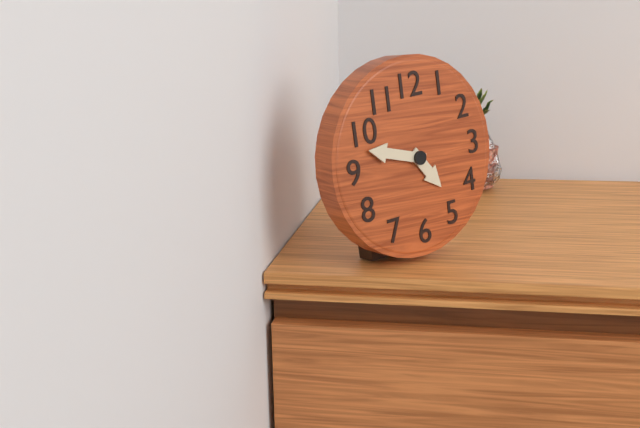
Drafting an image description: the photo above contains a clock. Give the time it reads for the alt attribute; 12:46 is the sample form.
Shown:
4:48
